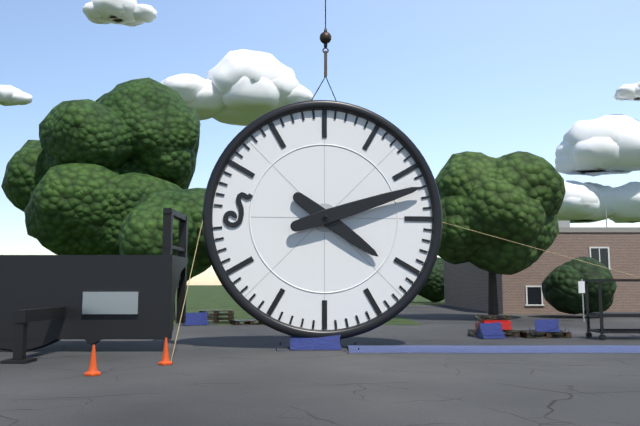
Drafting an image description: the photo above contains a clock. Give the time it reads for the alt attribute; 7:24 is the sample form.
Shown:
4:12
